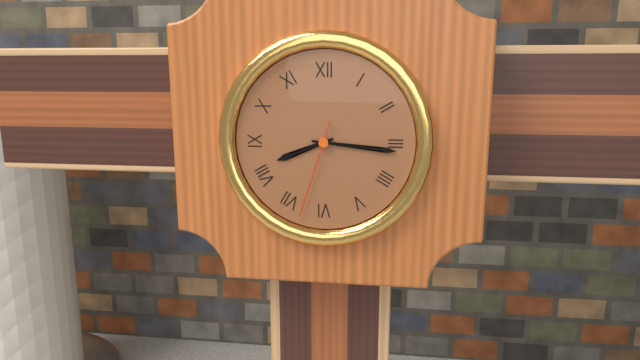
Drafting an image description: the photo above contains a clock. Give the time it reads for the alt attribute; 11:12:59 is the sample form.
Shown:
8:16:33
